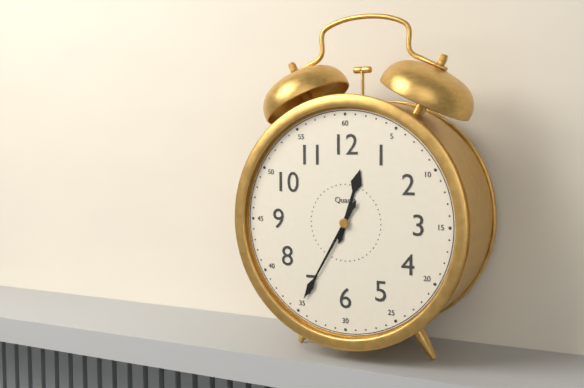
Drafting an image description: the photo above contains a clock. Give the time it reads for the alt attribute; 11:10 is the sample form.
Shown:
12:35
